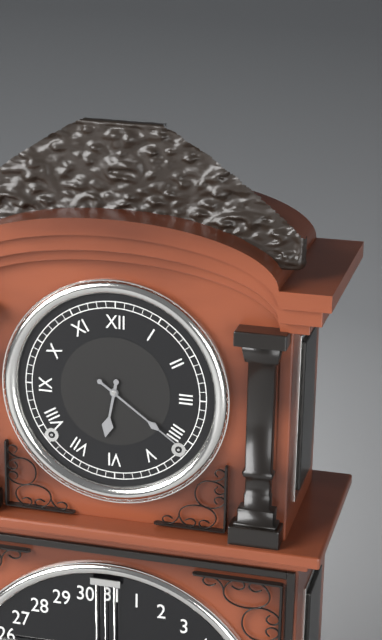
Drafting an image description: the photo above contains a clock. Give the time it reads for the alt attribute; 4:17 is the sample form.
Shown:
6:21
